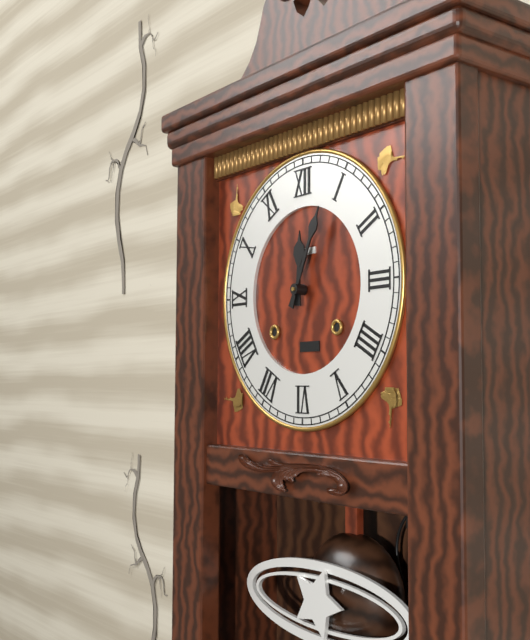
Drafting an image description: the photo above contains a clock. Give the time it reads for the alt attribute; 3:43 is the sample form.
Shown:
12:04
